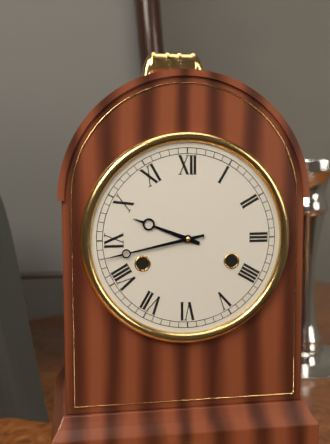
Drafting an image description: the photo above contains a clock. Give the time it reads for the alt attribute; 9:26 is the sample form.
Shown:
9:43
